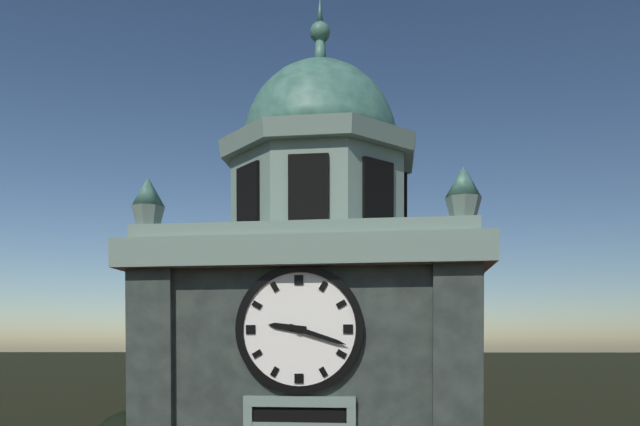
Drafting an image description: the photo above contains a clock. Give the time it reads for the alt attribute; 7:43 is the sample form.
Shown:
9:18
